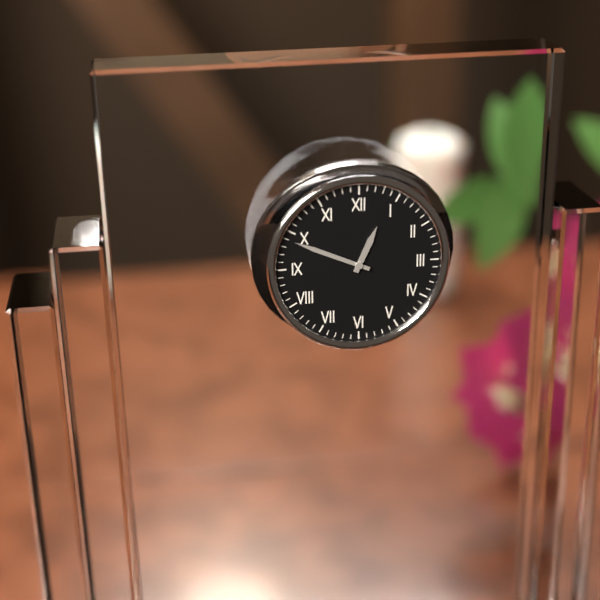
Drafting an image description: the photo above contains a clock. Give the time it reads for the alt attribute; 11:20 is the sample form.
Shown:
12:49
